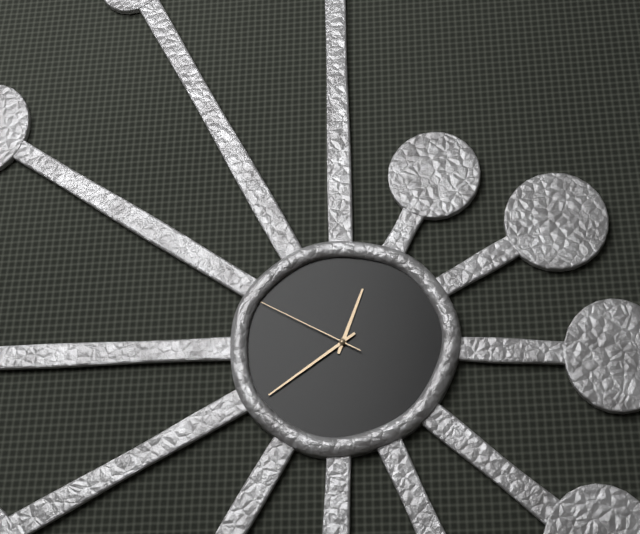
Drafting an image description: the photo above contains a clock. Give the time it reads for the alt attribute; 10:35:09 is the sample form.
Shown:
12:39:50
